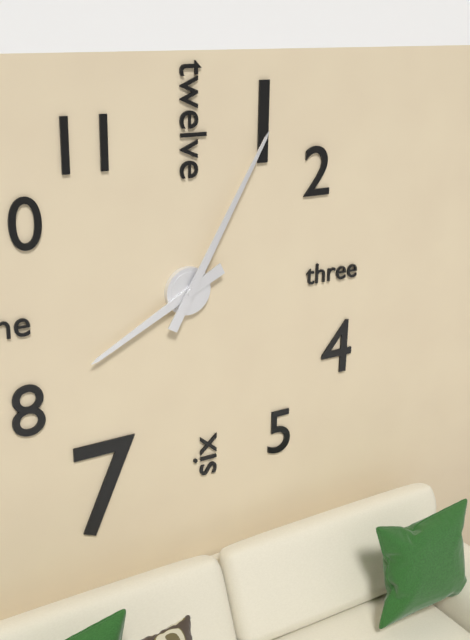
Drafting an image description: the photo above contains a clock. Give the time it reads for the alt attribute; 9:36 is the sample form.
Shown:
8:05
